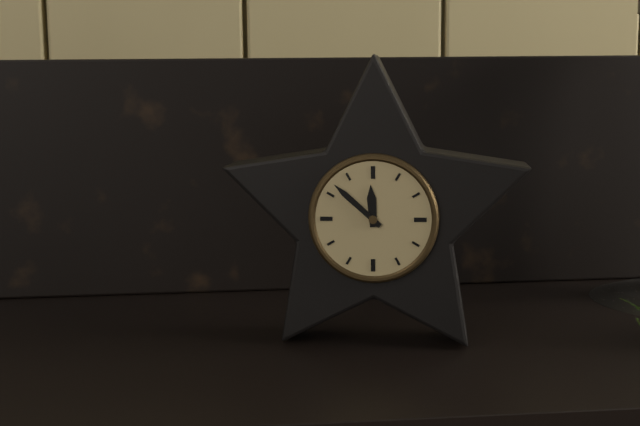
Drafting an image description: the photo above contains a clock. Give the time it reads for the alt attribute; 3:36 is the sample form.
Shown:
11:52
